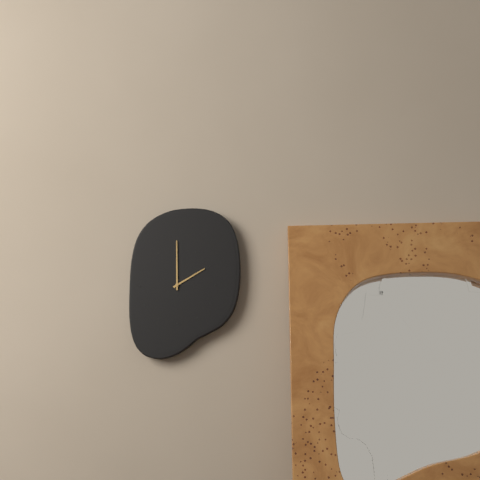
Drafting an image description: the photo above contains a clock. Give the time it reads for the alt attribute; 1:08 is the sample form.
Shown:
2:00
